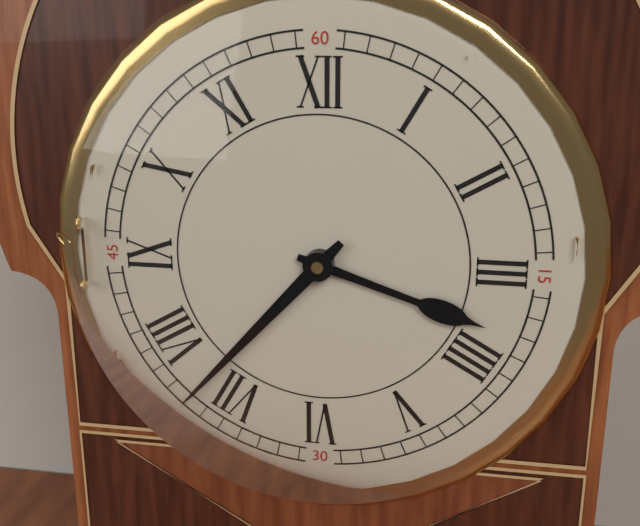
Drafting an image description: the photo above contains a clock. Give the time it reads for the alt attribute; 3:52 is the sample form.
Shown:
3:37
